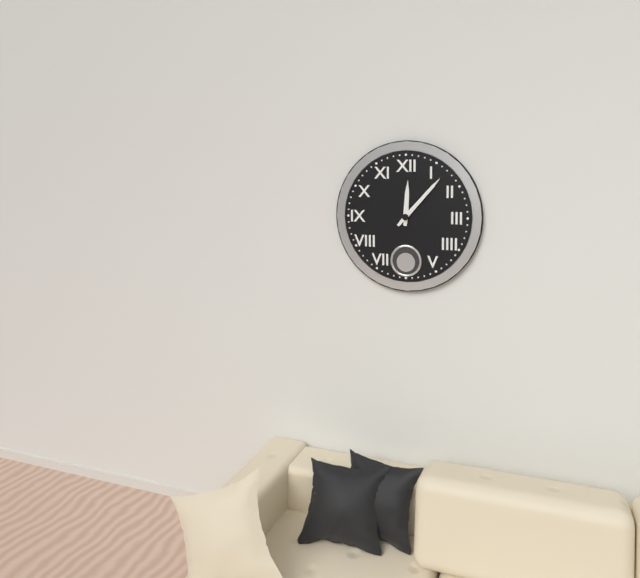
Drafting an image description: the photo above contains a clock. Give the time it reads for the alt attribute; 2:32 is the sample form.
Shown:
12:07
